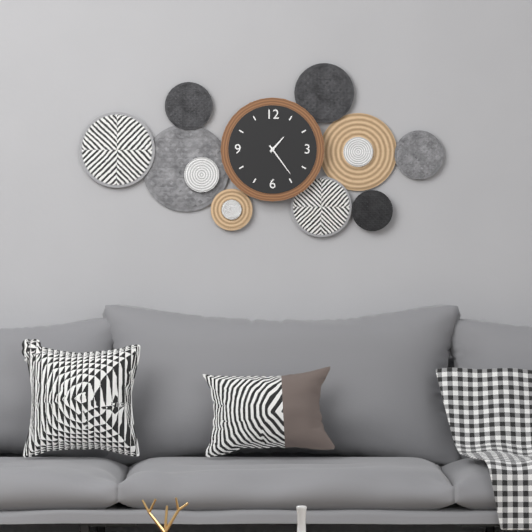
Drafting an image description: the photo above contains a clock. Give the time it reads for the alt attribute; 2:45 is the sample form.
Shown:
1:24
